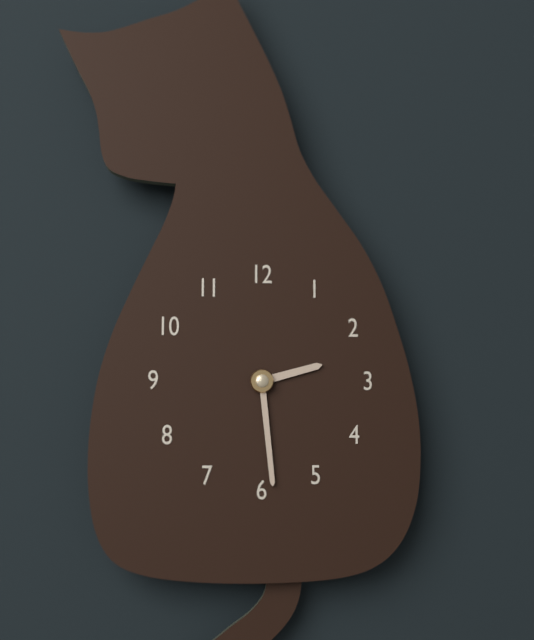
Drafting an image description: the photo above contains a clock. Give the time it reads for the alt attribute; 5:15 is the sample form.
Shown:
2:29
